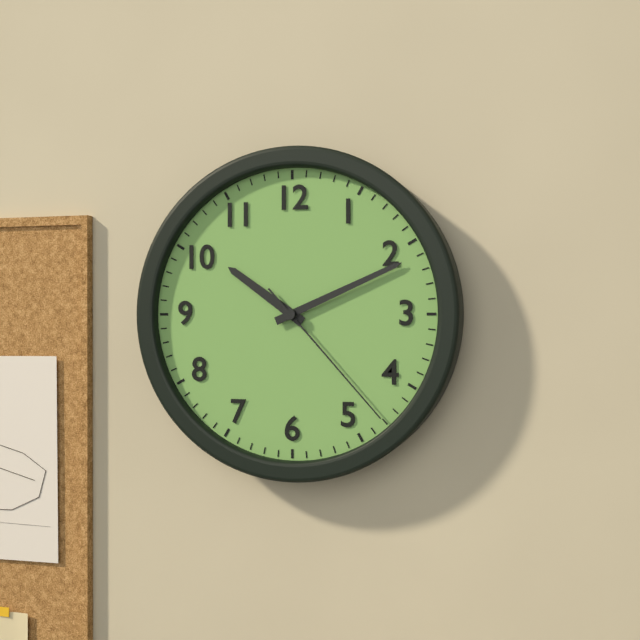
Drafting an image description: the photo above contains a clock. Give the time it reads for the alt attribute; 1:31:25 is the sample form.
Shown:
10:11:23
